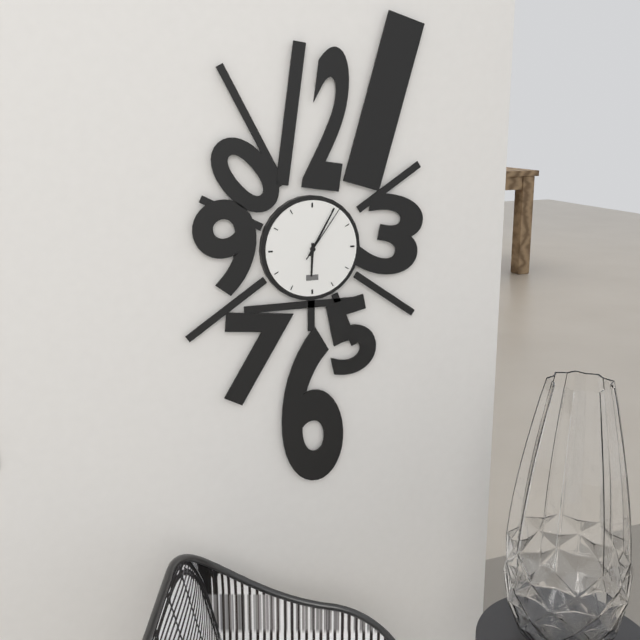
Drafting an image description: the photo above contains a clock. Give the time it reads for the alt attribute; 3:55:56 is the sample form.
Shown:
6:05:06
